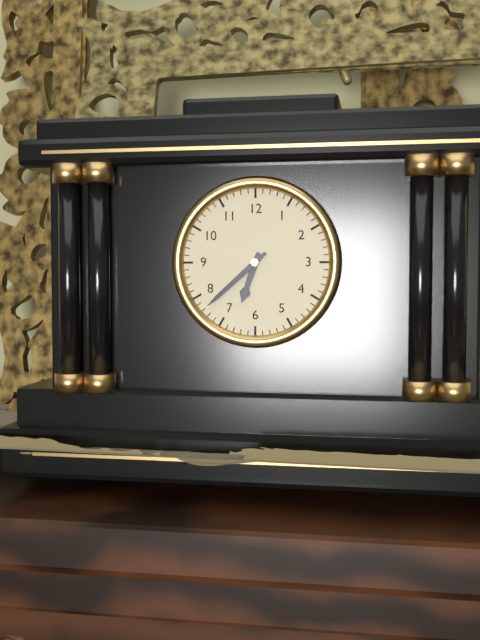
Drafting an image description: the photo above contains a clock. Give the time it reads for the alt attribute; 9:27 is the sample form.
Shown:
6:38
